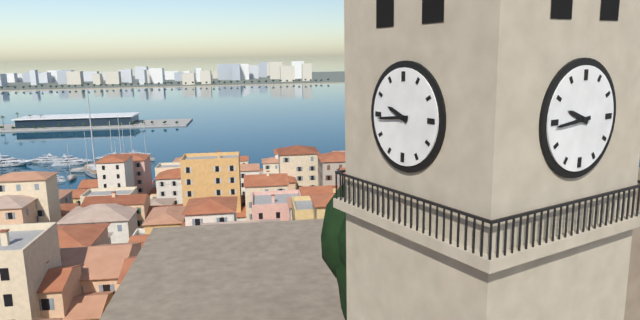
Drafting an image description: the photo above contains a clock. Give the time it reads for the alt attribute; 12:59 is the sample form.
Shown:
9:44
